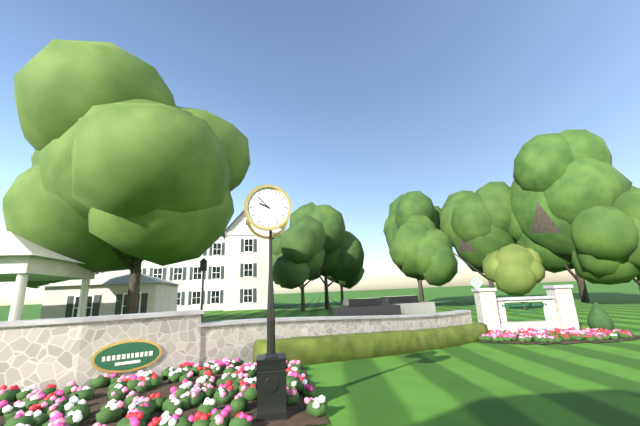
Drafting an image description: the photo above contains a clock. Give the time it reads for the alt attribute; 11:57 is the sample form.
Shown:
9:53
